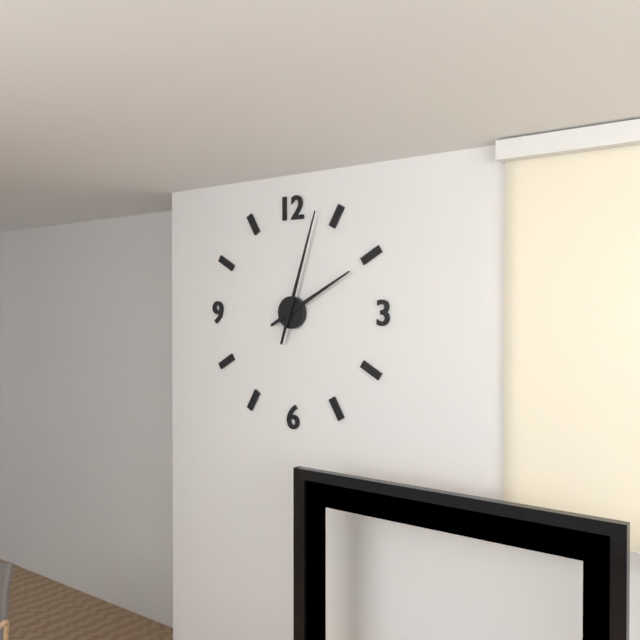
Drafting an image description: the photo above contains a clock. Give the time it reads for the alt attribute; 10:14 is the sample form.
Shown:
2:03
